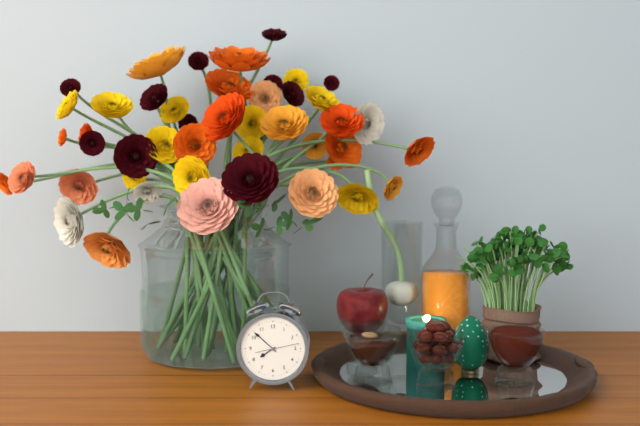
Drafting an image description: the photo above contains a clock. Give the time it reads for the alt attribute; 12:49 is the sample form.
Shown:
7:52
